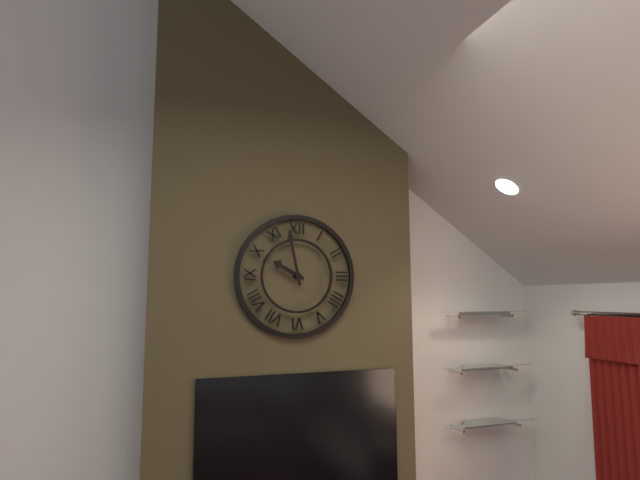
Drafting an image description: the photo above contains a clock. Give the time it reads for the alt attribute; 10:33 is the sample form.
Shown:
9:58
